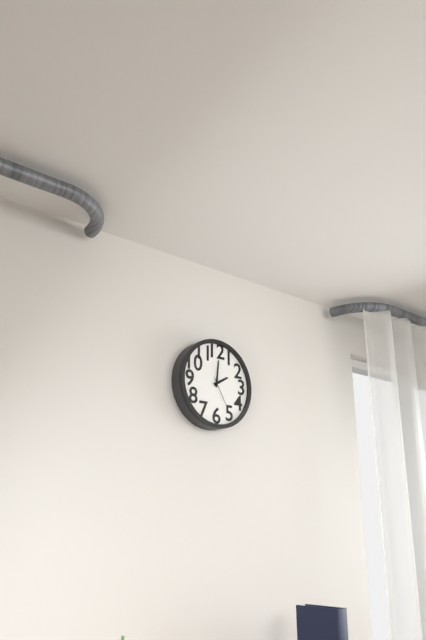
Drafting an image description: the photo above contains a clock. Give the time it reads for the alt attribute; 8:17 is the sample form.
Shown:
2:01
